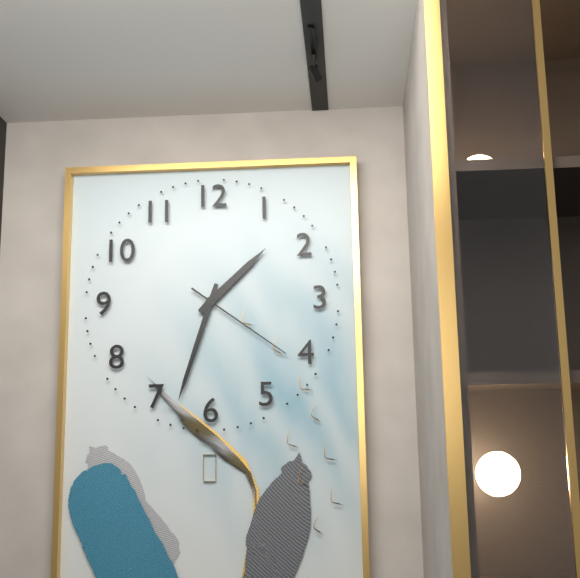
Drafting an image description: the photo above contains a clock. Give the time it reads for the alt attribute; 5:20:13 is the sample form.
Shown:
1:33:21
